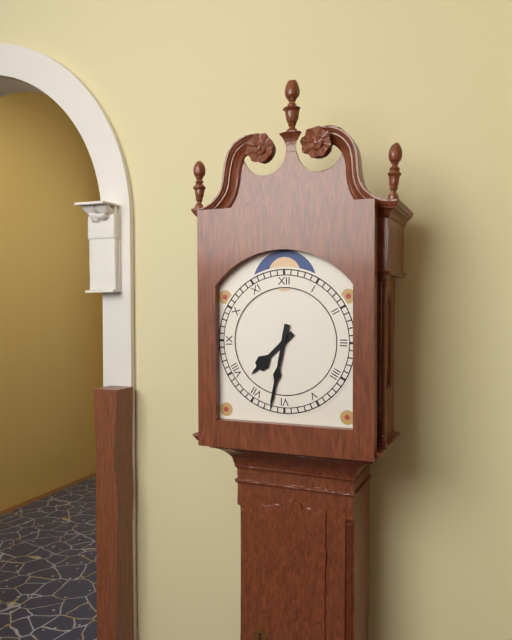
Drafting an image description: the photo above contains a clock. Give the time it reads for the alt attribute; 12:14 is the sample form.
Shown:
7:32
